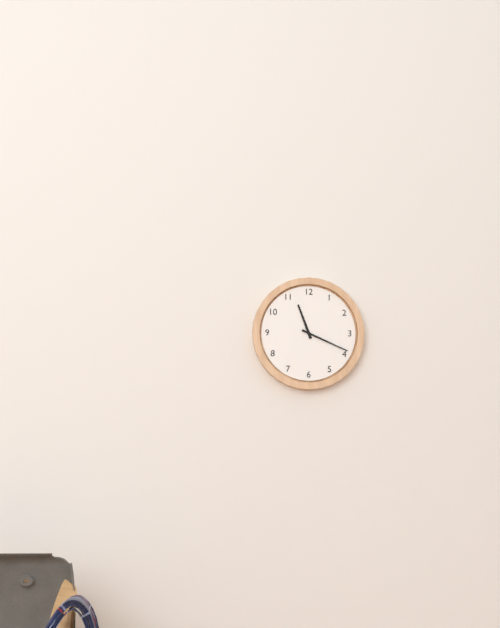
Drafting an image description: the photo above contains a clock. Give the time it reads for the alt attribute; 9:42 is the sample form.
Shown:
11:19
